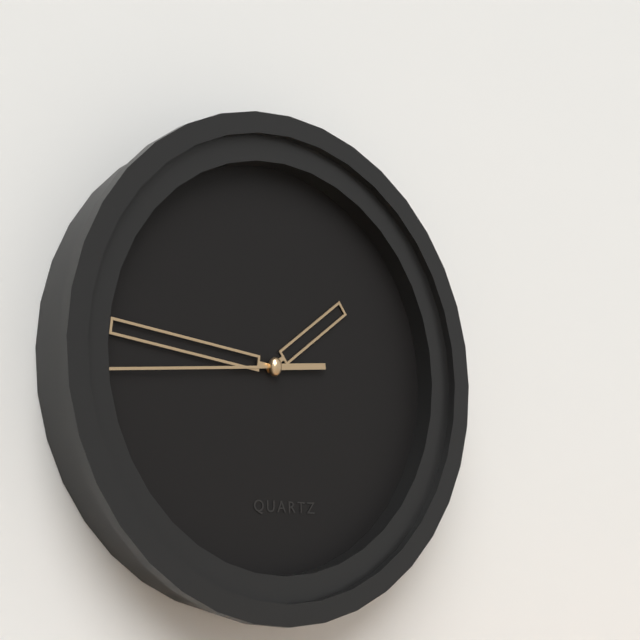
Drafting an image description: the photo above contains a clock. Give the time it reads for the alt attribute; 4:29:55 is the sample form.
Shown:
1:46:44
